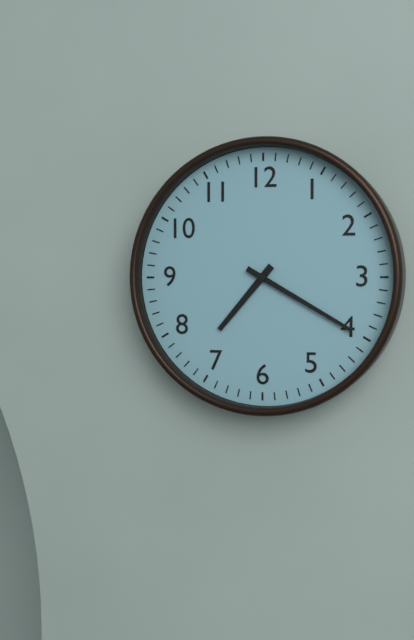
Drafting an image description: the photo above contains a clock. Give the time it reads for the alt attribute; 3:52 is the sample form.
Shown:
7:20
